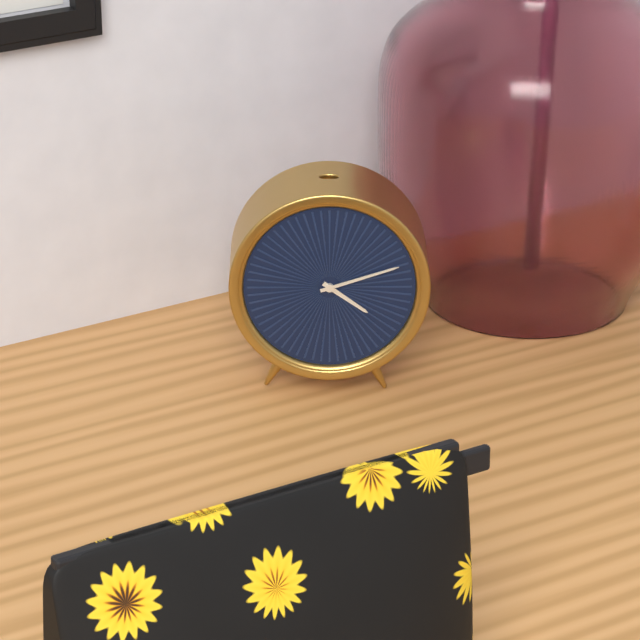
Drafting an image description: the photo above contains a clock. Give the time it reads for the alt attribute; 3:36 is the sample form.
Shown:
4:12
